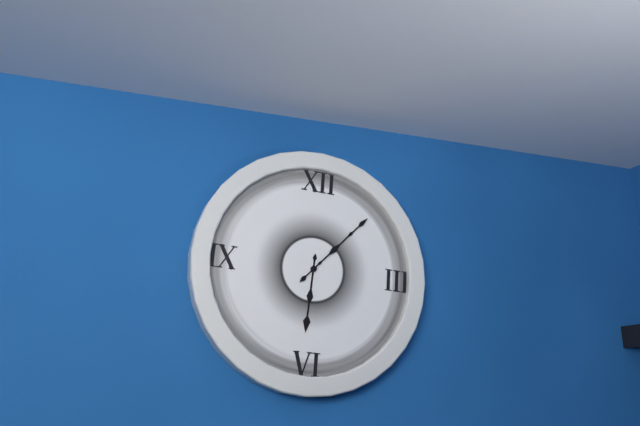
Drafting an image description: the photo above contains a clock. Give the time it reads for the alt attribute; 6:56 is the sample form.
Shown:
6:07
